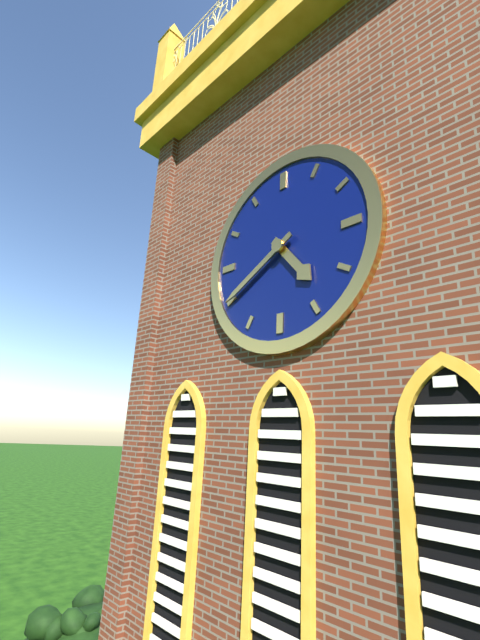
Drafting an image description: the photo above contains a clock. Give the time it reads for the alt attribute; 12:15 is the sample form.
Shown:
4:40
